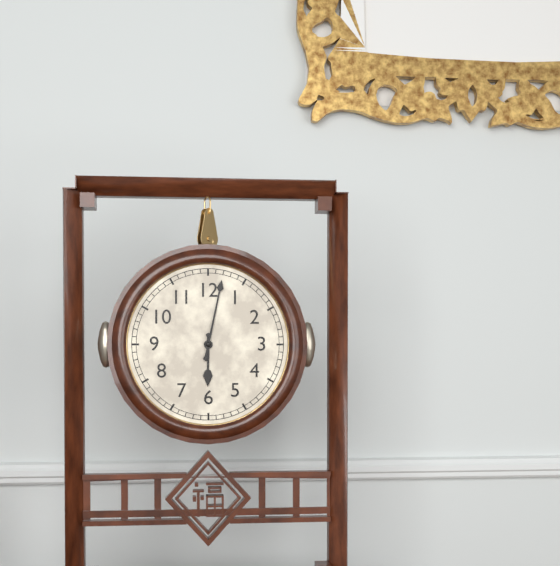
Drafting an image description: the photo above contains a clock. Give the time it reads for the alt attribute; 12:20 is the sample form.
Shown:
6:02
